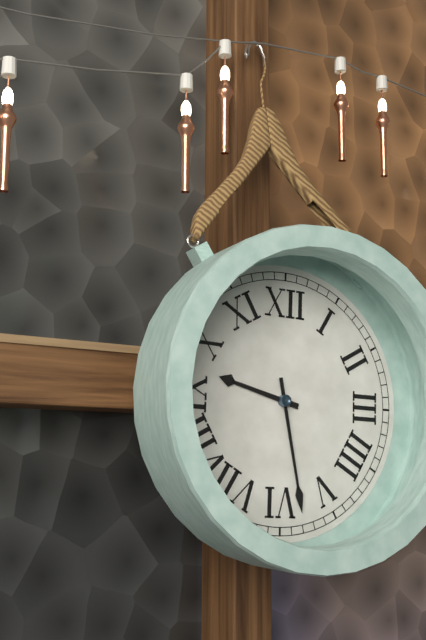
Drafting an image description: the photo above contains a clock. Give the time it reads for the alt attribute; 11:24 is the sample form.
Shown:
9:28
